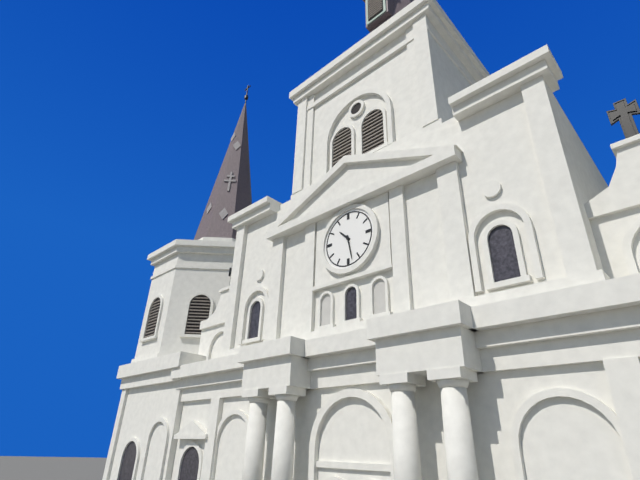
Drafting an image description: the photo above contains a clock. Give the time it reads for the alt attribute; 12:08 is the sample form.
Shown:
10:28
